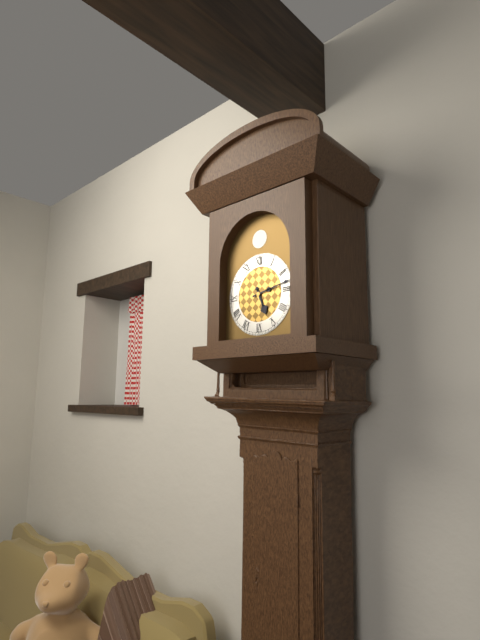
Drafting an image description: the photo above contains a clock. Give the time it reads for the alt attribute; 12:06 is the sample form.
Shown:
5:13
